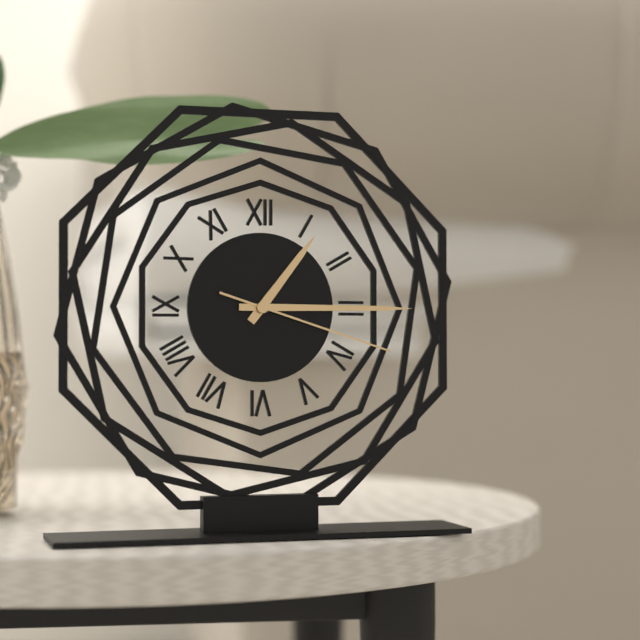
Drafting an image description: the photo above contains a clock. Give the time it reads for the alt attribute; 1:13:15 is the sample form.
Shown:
1:15:18
